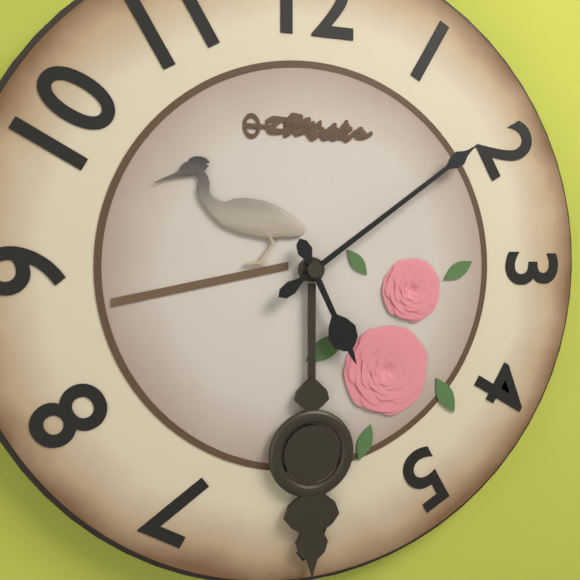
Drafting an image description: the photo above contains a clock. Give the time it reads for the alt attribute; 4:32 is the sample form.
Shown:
5:09
